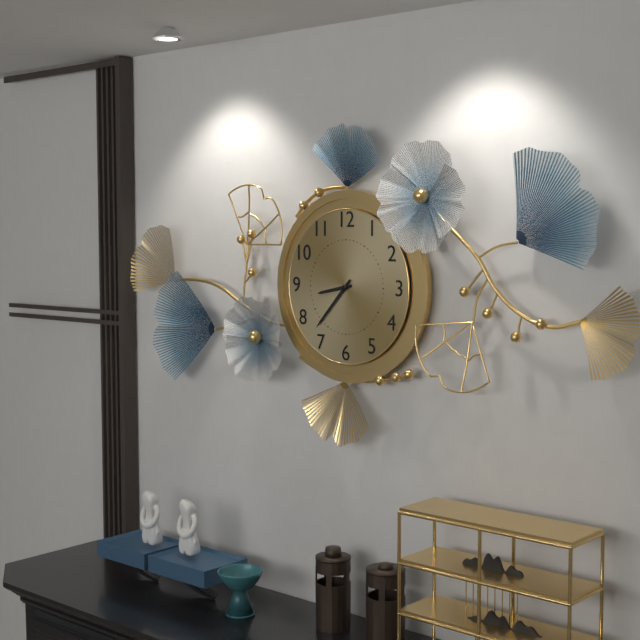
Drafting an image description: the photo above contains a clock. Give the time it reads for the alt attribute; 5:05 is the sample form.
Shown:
8:37
